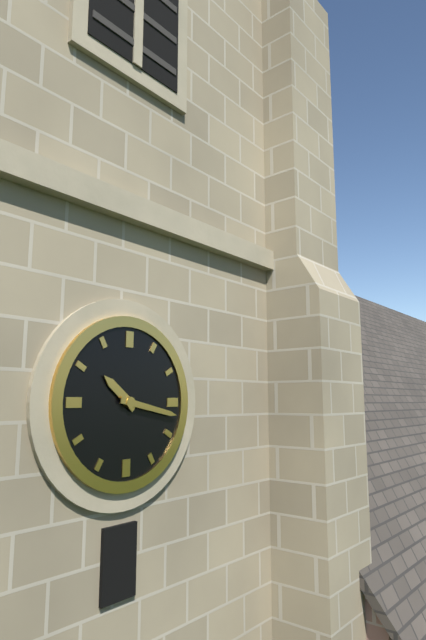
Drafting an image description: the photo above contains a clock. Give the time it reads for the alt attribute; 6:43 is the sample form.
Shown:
10:17
